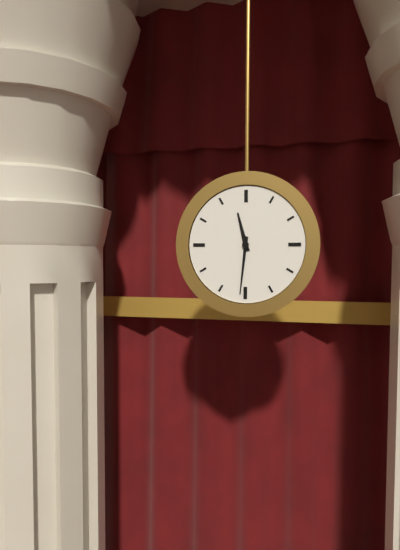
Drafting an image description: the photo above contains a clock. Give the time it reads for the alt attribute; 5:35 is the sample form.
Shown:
11:31
